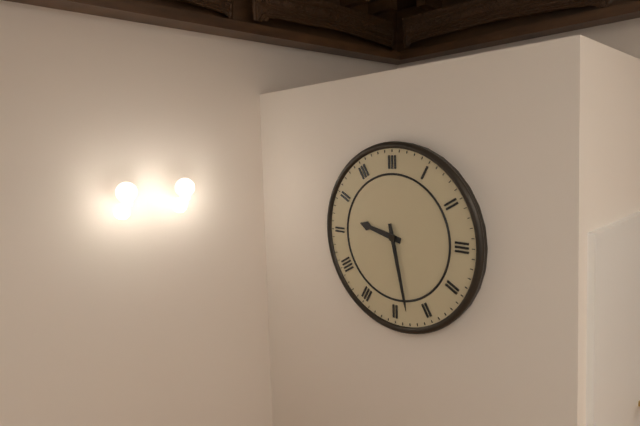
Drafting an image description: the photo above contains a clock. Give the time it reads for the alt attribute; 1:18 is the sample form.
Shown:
9:28
